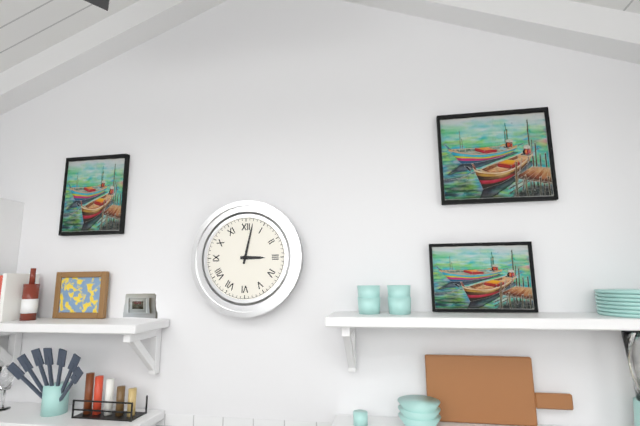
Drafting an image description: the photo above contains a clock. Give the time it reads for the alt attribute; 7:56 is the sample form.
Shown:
3:02
